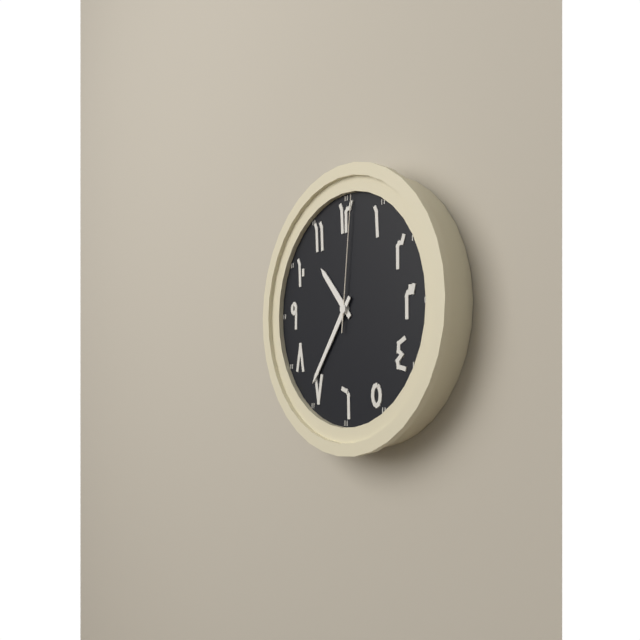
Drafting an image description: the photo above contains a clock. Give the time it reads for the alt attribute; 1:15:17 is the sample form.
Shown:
10:36:01
